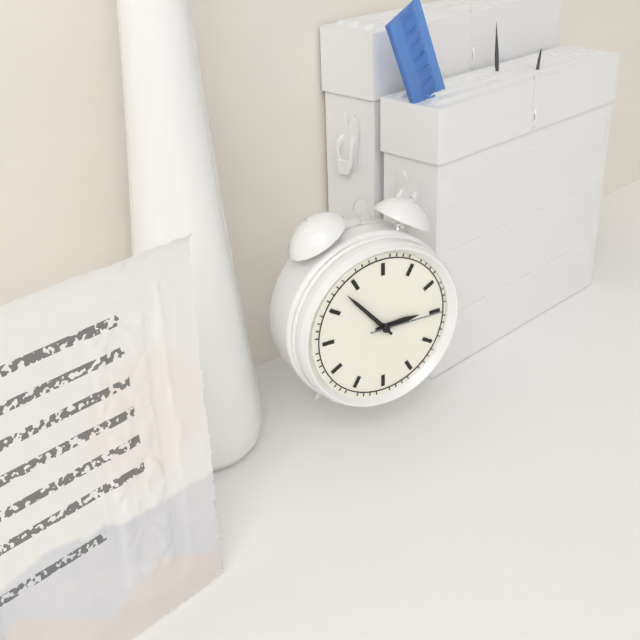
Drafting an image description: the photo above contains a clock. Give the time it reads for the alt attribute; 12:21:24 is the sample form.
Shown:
2:53:15
